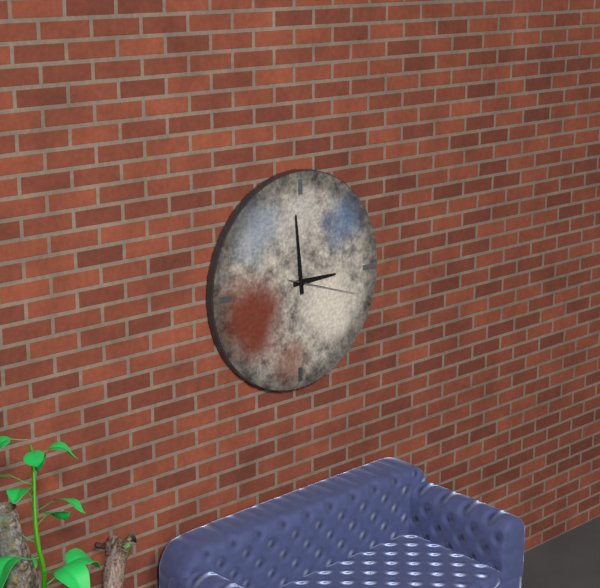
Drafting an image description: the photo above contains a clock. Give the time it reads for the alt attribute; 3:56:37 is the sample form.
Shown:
2:59:18
